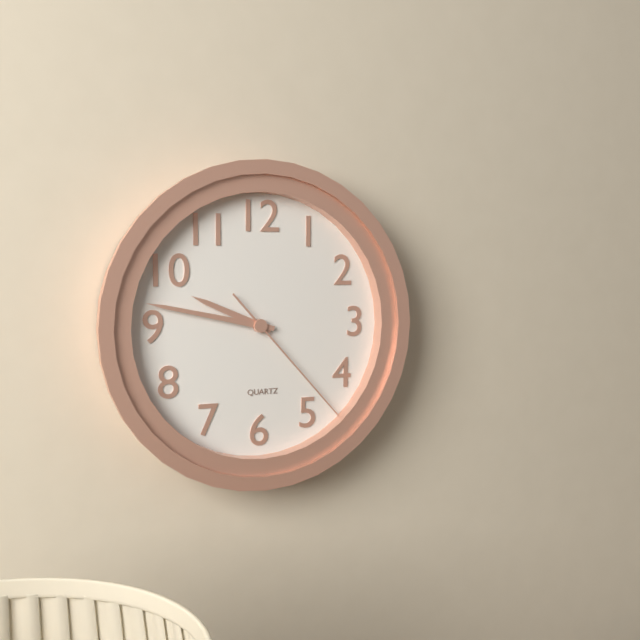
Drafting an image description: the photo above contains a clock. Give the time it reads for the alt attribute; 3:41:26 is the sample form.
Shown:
9:47:23
